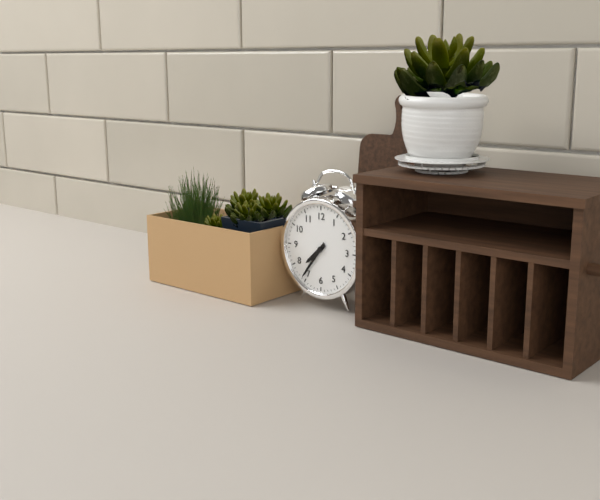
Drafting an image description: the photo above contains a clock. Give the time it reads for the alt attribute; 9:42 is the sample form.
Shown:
7:36
